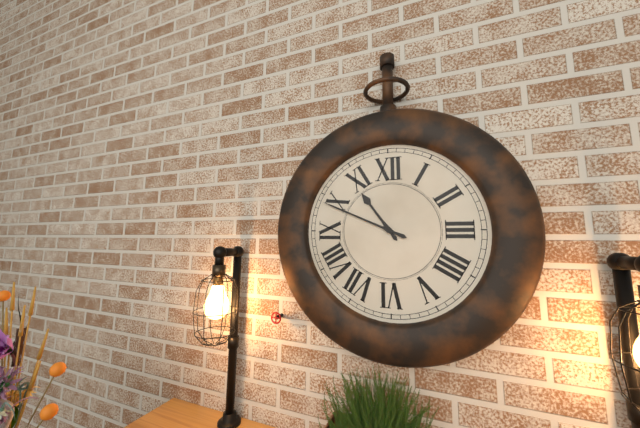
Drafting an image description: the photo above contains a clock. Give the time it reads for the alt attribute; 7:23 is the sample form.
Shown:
10:49
